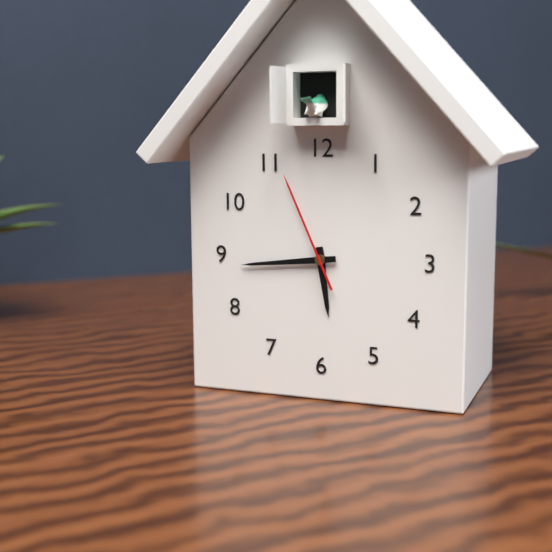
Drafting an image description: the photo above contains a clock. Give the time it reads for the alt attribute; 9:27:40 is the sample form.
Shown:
5:44:56
